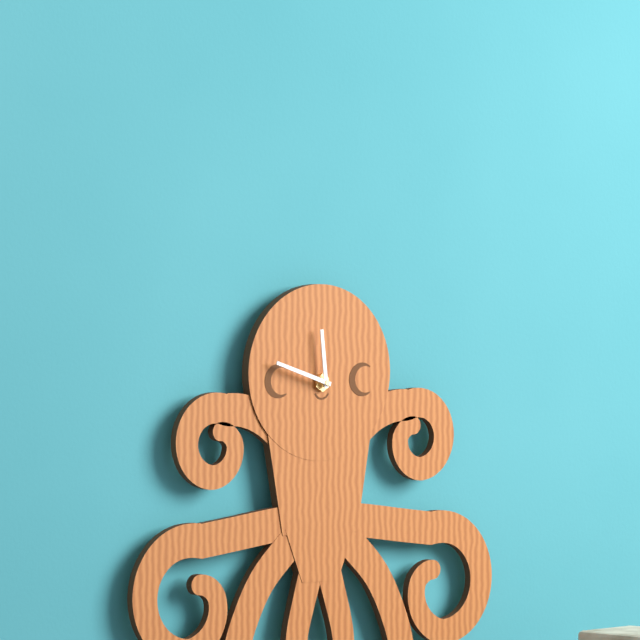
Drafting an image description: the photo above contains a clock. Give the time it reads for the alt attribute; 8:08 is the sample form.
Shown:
11:48
